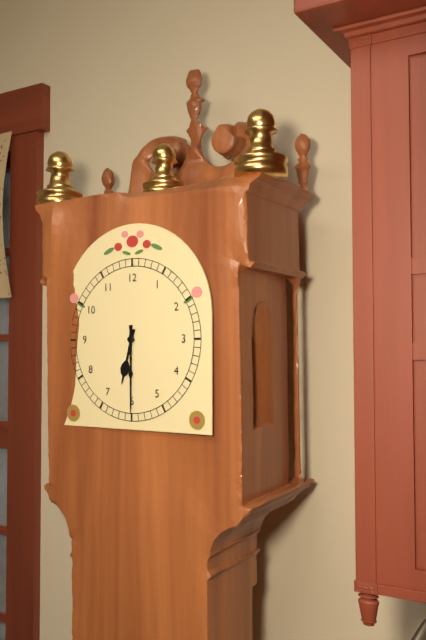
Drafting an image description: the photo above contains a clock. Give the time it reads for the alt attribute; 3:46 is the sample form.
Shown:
6:30
